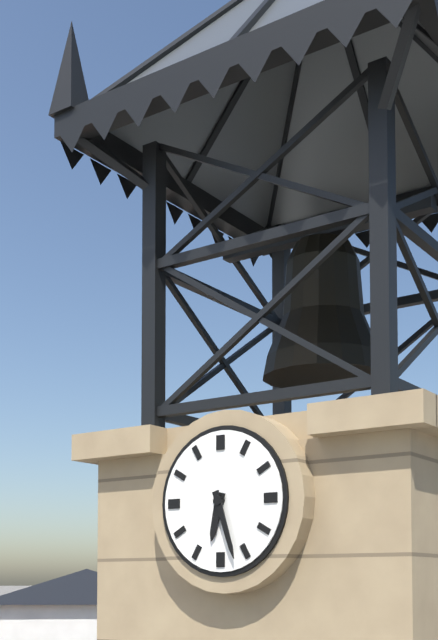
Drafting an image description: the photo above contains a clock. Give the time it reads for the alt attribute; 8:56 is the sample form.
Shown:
6:27
